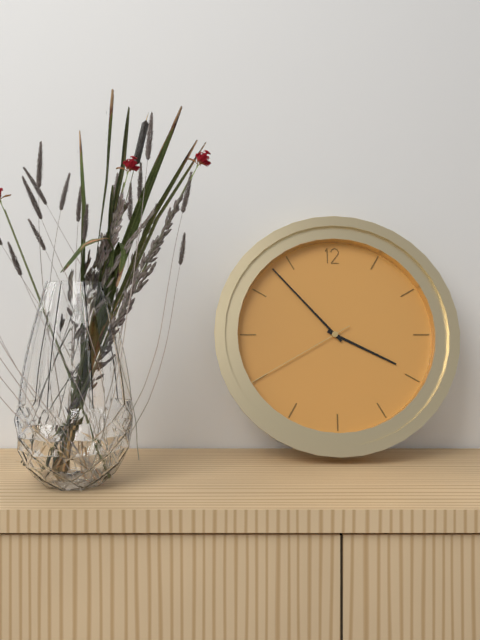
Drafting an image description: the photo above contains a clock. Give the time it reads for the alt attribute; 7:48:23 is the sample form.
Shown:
3:53:40
